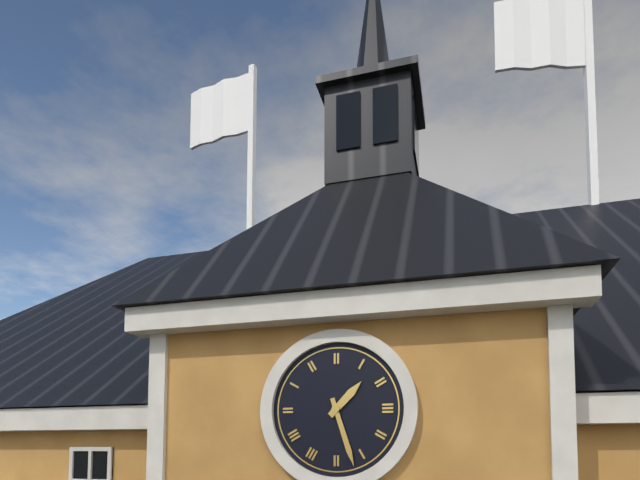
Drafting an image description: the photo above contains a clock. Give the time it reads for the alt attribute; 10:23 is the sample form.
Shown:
1:27
